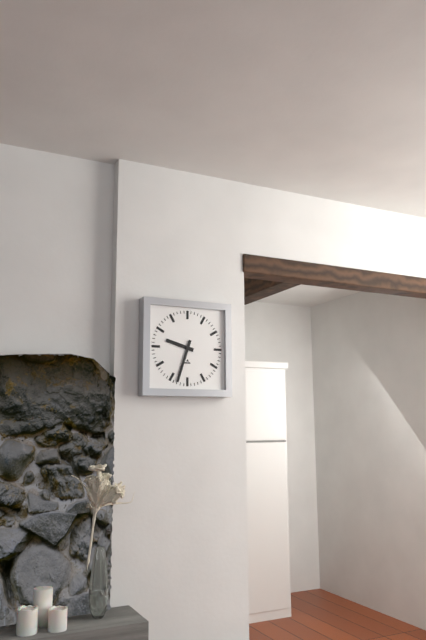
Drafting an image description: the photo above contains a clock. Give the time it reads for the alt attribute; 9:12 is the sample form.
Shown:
9:33
